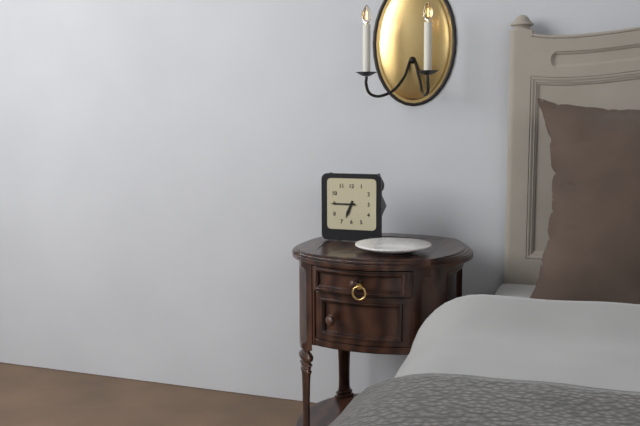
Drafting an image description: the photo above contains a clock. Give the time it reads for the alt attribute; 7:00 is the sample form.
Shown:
6:45
